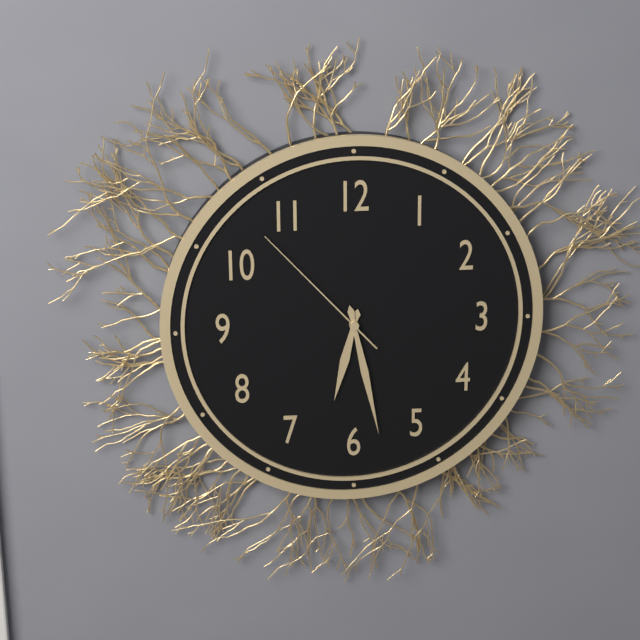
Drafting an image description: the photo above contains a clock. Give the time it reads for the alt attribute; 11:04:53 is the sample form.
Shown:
6:28:53
